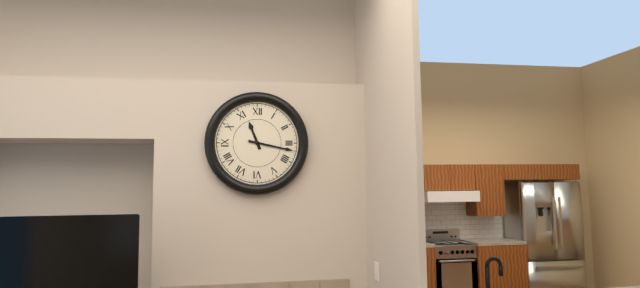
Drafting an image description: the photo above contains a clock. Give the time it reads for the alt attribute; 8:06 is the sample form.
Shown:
11:17
